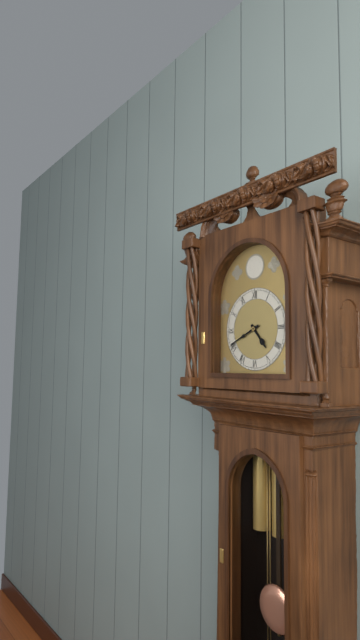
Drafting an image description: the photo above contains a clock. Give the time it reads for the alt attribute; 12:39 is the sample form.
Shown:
4:41
